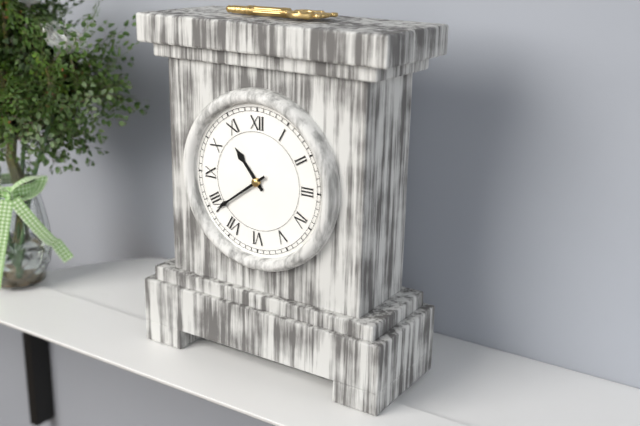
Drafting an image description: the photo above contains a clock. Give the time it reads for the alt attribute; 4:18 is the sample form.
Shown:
10:39
